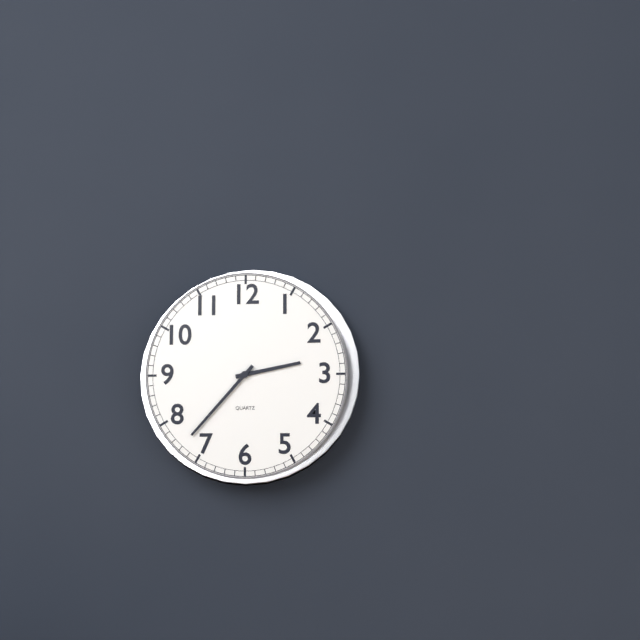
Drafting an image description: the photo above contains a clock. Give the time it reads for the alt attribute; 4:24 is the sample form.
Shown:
2:37
